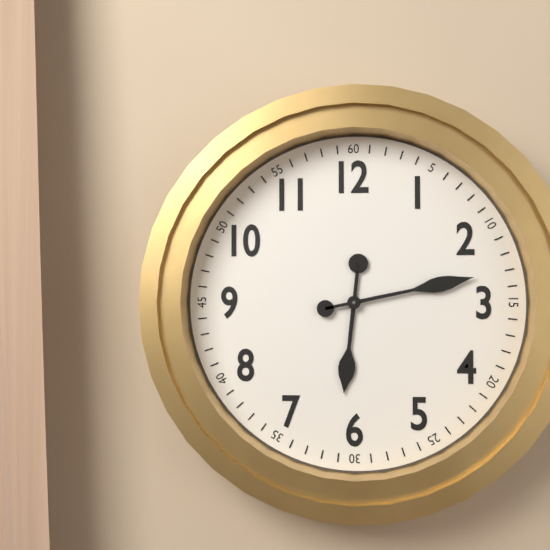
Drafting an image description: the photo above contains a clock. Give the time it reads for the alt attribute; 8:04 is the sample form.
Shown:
6:13
